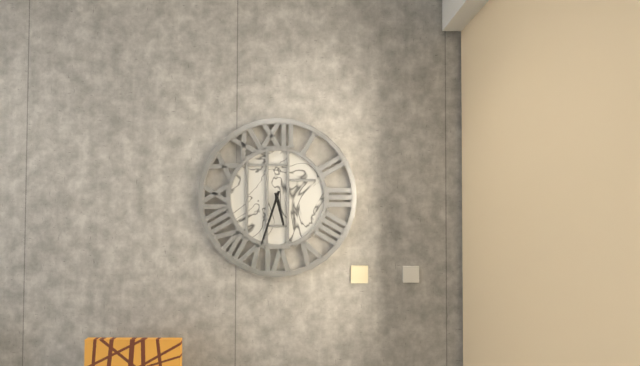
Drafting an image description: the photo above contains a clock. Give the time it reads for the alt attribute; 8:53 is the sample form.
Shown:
5:33
